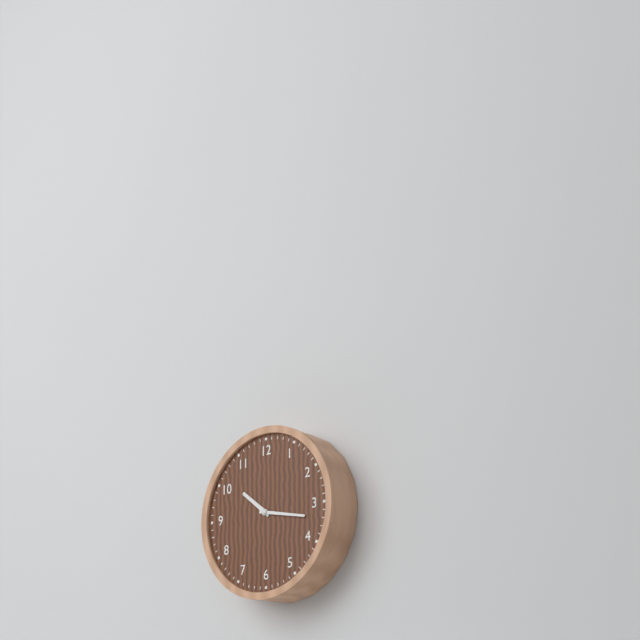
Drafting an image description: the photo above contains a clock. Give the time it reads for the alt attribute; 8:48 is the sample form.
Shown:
10:17
